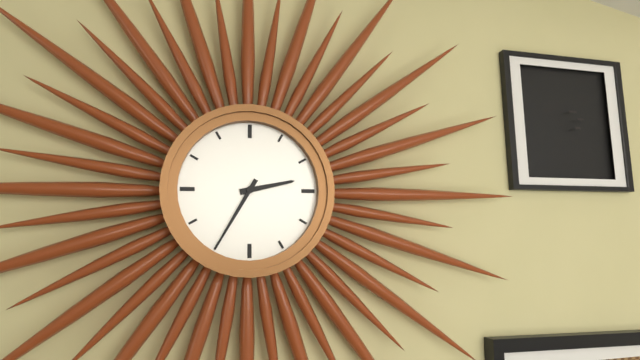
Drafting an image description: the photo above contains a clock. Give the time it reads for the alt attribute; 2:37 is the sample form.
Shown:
2:35
